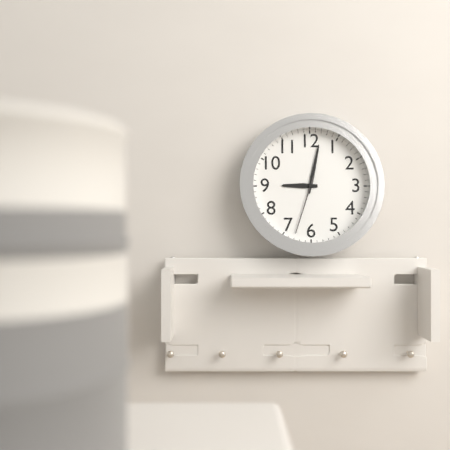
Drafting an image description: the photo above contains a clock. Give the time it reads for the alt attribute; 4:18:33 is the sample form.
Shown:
9:02:33
